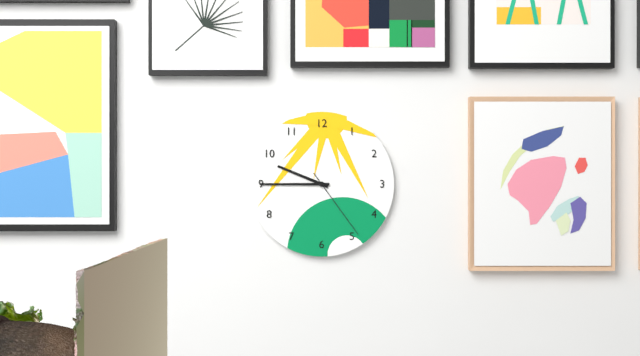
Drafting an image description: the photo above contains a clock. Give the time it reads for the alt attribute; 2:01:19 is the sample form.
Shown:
9:45:24
